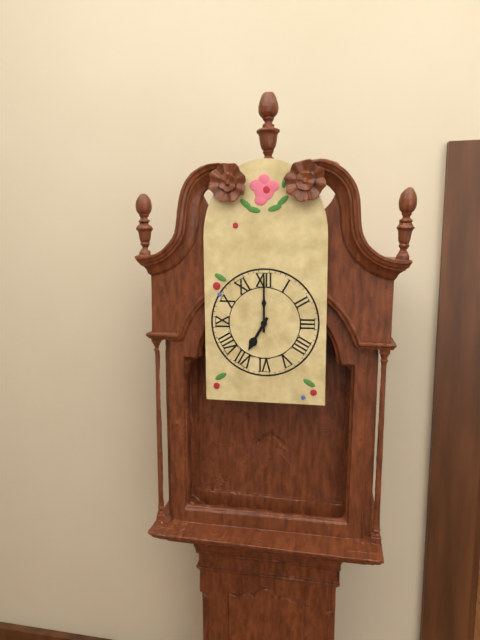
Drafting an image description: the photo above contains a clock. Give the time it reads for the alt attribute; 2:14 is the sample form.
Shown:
7:00
